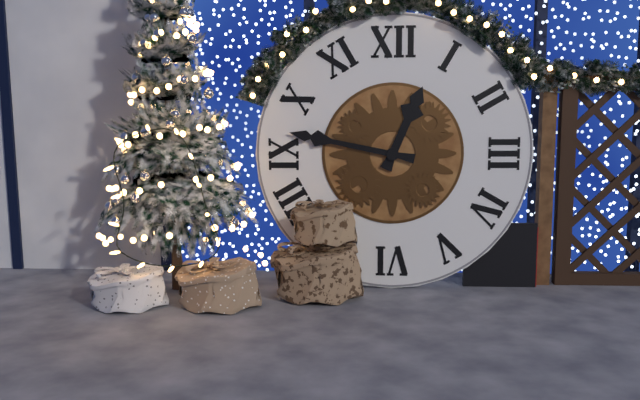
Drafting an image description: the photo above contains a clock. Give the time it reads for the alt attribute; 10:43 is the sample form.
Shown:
12:47
